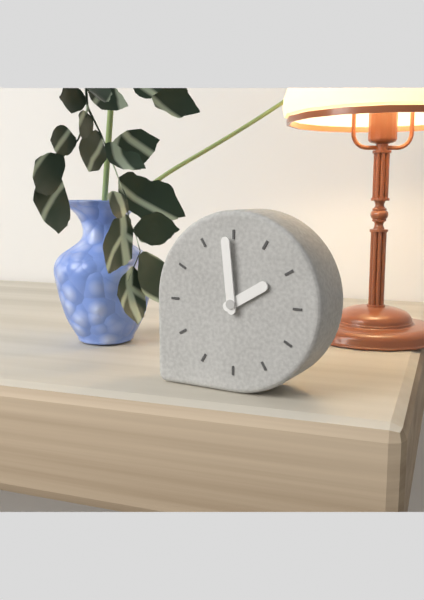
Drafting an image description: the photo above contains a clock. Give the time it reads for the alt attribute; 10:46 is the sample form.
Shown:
1:59
